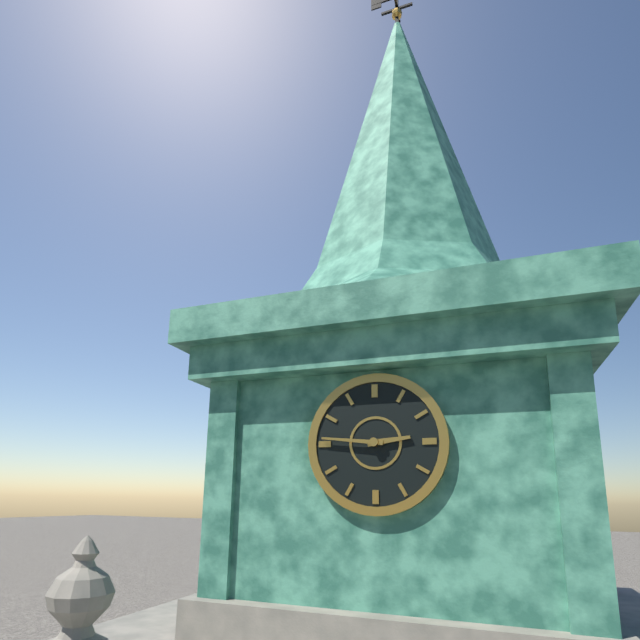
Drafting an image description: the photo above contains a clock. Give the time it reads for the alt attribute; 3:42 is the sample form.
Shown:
2:46
